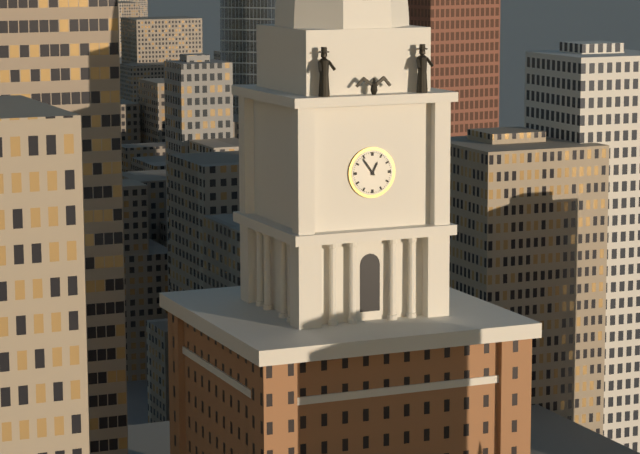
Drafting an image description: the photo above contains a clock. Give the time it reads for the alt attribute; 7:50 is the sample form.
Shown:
12:54
